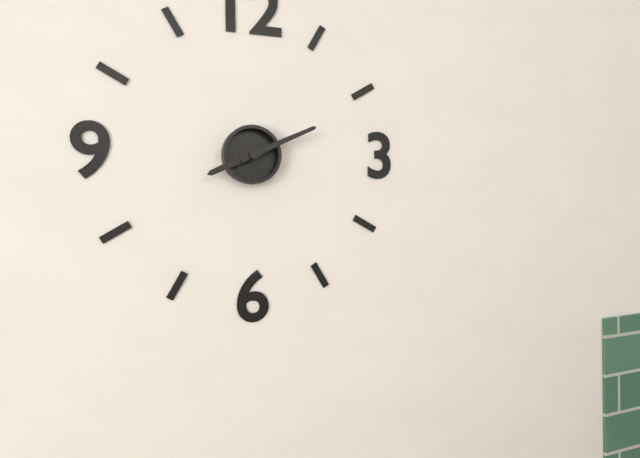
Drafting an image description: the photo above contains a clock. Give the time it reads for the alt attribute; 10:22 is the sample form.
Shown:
8:11
